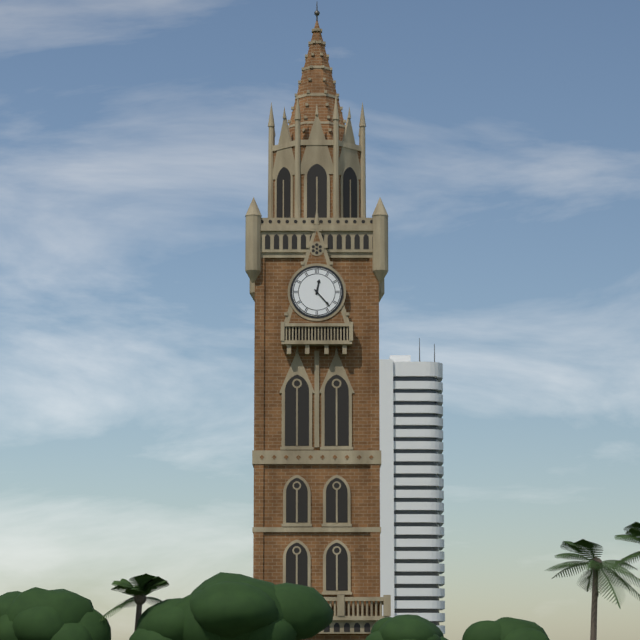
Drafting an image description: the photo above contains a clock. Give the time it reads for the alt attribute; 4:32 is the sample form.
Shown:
12:23
